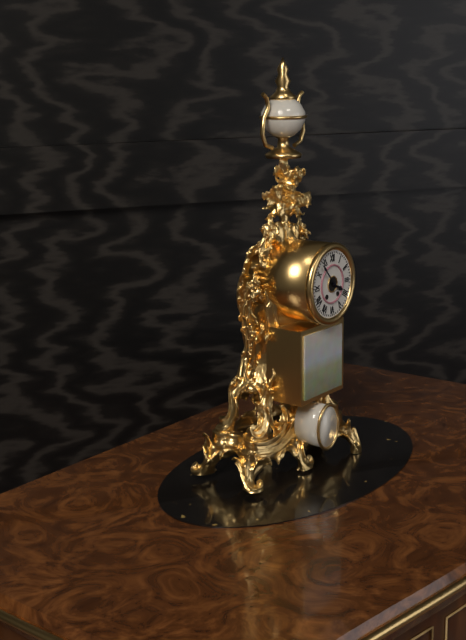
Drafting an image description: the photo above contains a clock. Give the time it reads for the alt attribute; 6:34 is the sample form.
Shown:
3:53
